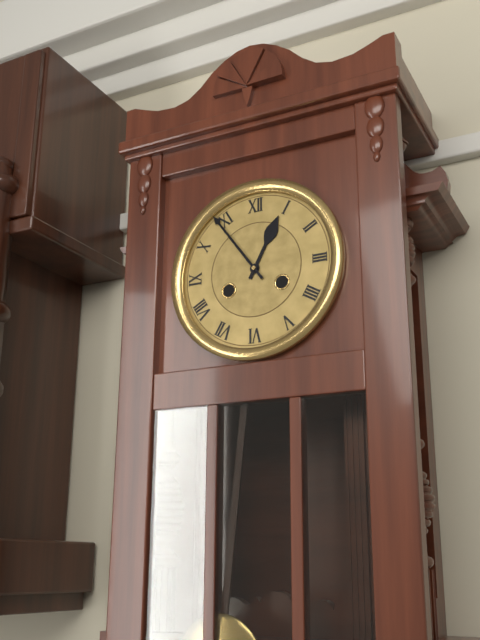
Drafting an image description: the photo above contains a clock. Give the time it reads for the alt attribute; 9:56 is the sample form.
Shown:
12:54
